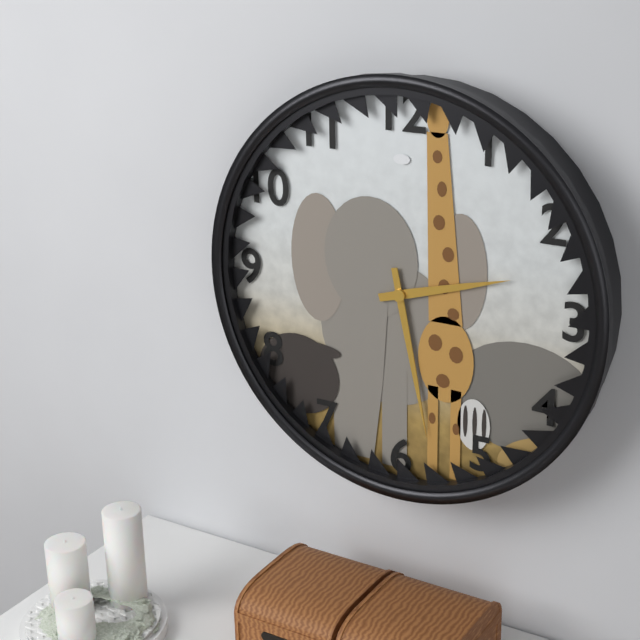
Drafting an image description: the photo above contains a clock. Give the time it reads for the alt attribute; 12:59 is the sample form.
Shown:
2:28
